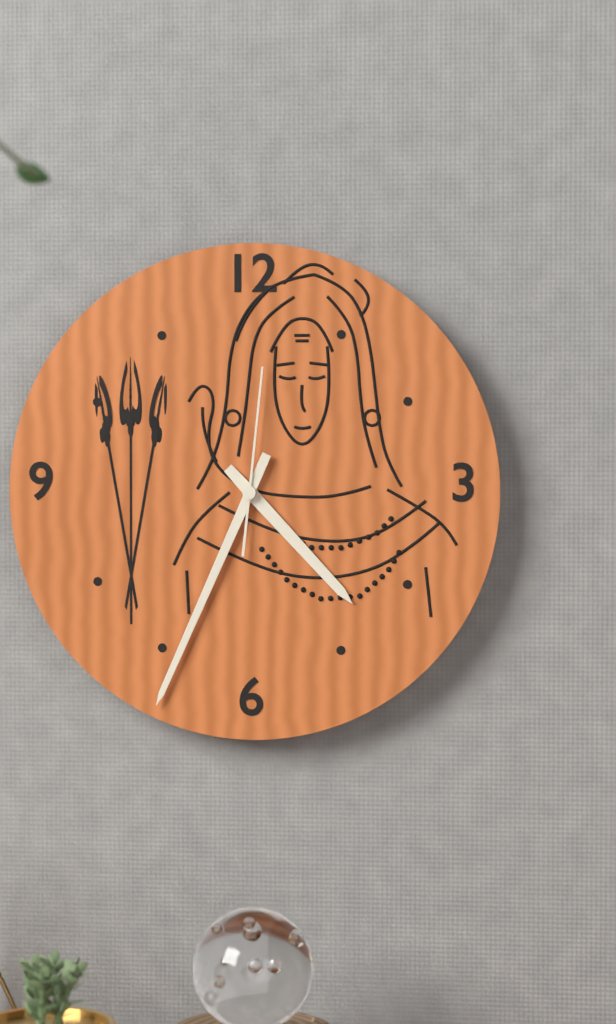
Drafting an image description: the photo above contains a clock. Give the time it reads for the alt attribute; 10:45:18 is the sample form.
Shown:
4:34:01
